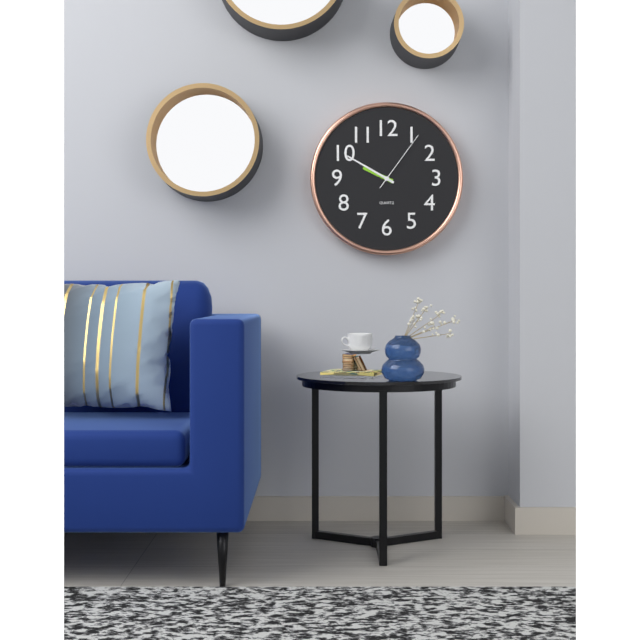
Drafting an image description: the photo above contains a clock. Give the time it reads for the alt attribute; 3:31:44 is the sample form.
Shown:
9:50:06
